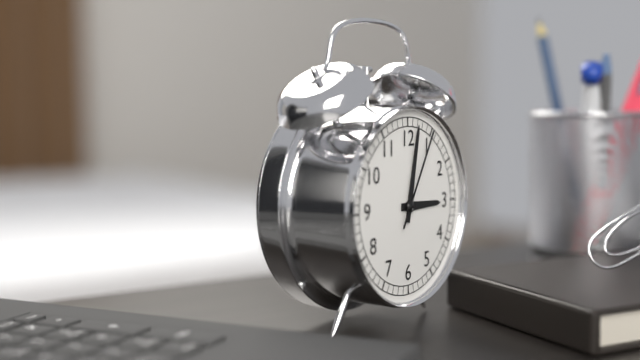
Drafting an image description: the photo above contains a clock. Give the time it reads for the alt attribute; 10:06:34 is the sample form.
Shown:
3:02:05
